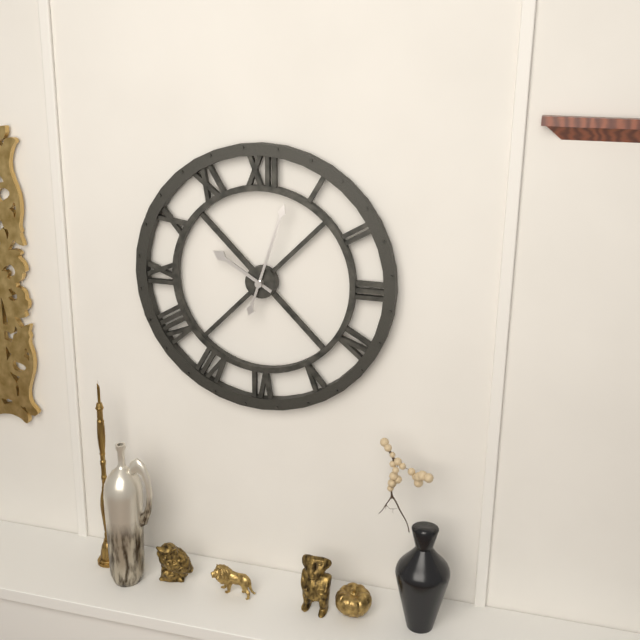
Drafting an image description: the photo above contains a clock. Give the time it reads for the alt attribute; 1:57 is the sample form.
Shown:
10:03
